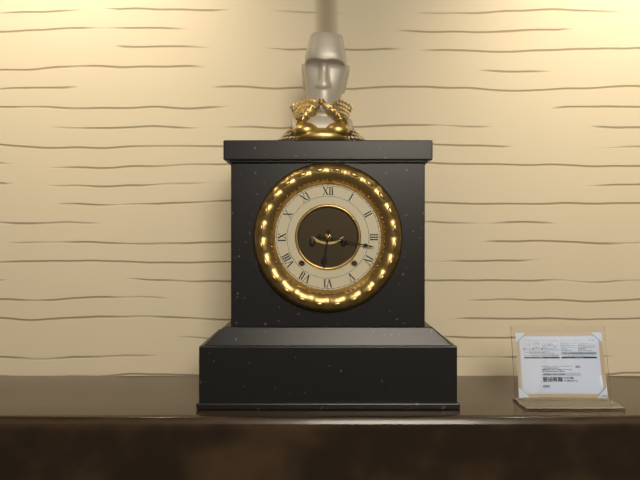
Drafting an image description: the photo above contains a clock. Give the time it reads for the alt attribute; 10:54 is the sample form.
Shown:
6:17
